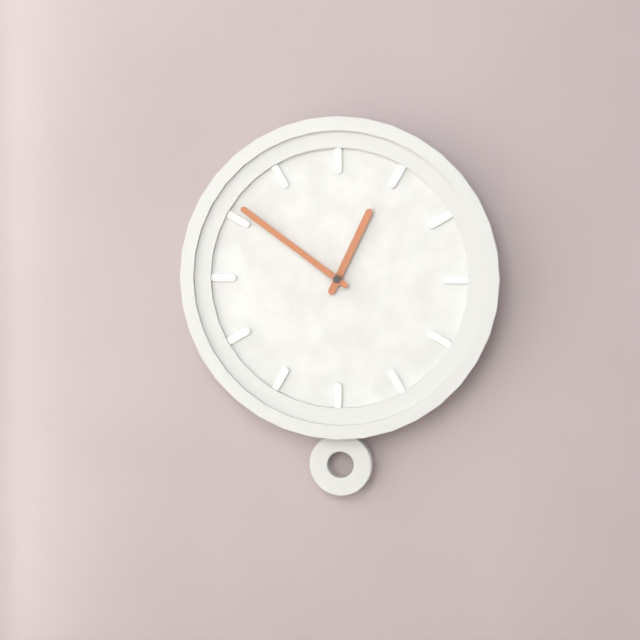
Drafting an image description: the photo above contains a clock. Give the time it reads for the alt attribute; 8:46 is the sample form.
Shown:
12:51
